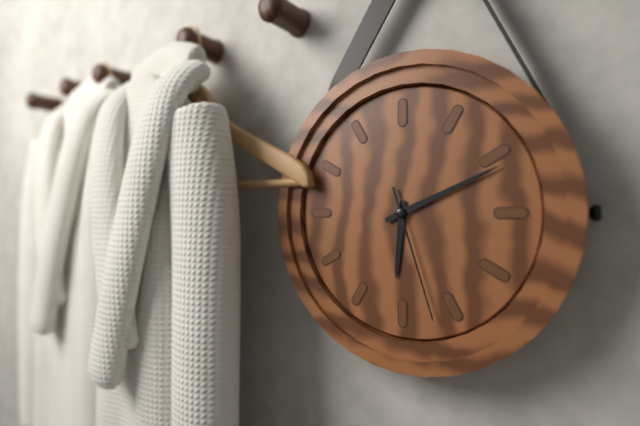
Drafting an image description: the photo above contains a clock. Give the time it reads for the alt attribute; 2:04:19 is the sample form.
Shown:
6:11:27
